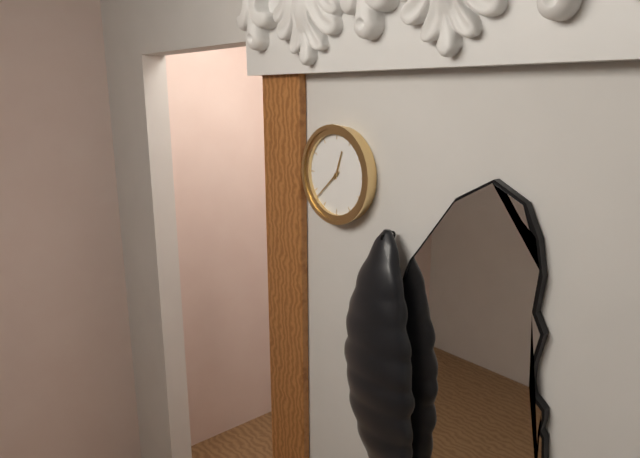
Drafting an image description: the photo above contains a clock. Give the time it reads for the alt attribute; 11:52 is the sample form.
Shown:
12:38
